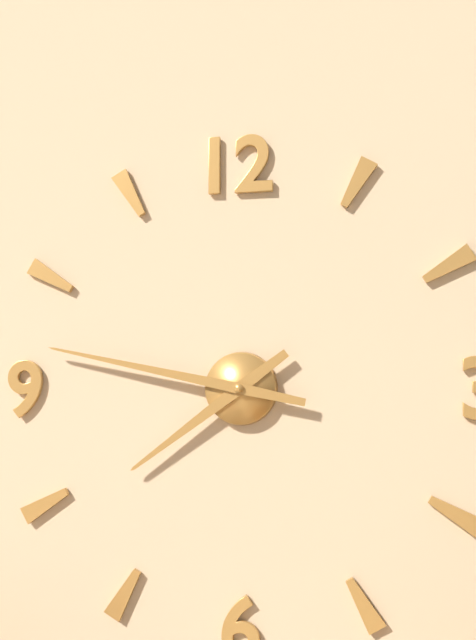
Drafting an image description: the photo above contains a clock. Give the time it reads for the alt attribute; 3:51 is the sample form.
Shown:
7:47
